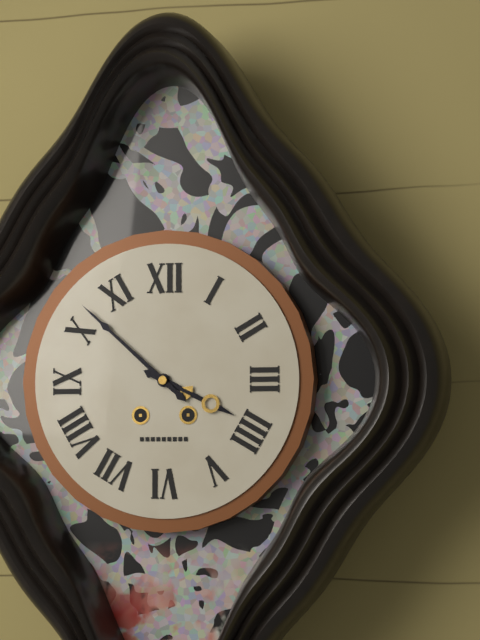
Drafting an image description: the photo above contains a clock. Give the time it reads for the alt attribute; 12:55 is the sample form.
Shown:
3:52
